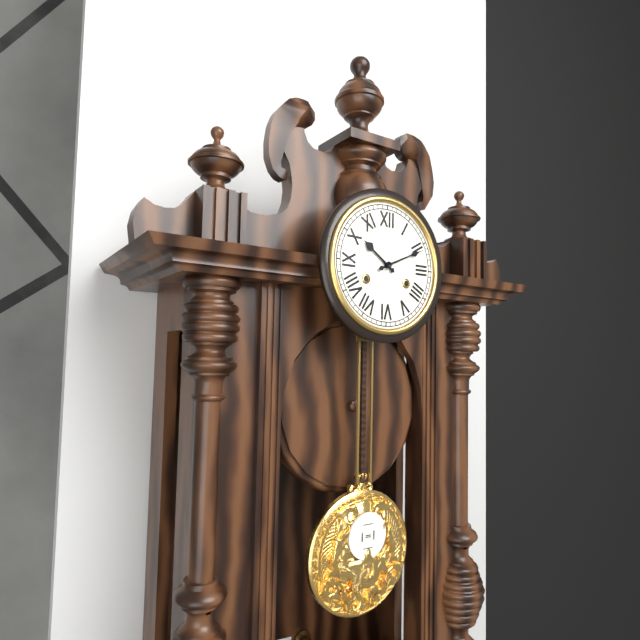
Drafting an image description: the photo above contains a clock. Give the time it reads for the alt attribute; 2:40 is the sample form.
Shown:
10:11
